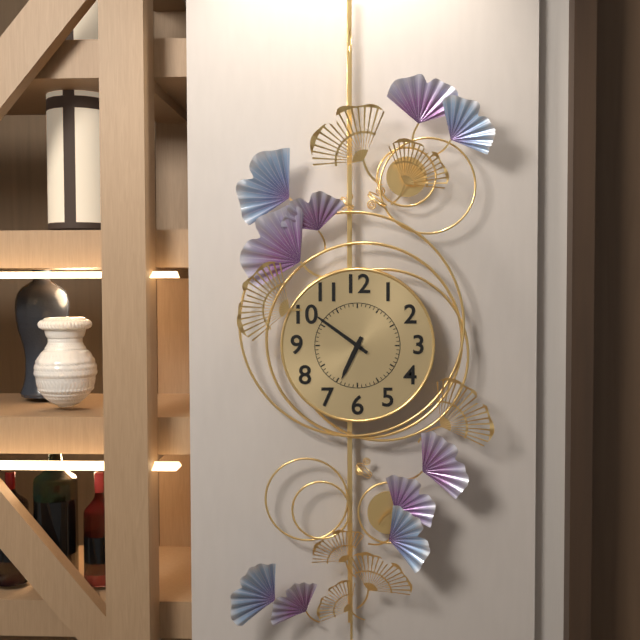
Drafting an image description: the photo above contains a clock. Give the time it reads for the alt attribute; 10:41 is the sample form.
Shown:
6:51
